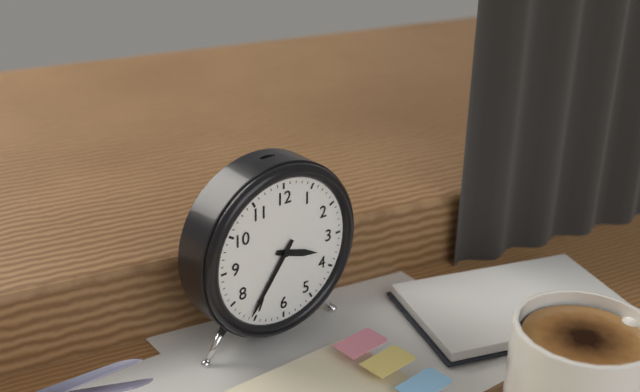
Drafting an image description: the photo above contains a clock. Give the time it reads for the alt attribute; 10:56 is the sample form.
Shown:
3:36
